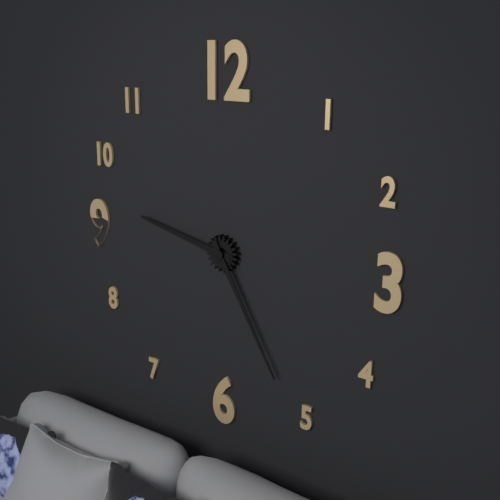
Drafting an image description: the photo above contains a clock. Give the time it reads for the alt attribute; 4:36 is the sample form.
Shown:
9:25
